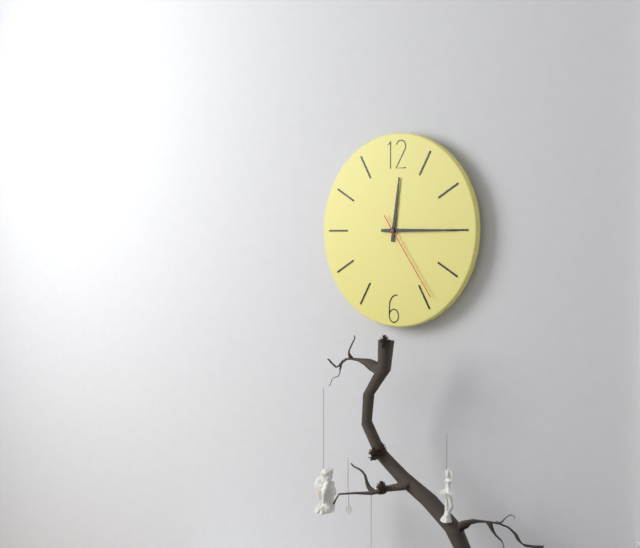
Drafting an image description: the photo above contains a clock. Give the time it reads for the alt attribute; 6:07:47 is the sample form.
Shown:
12:15:24
